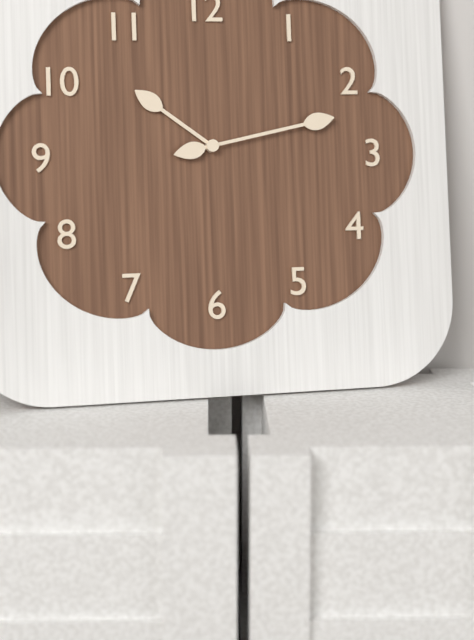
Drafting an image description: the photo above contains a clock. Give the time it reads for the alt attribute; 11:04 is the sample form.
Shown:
10:13
